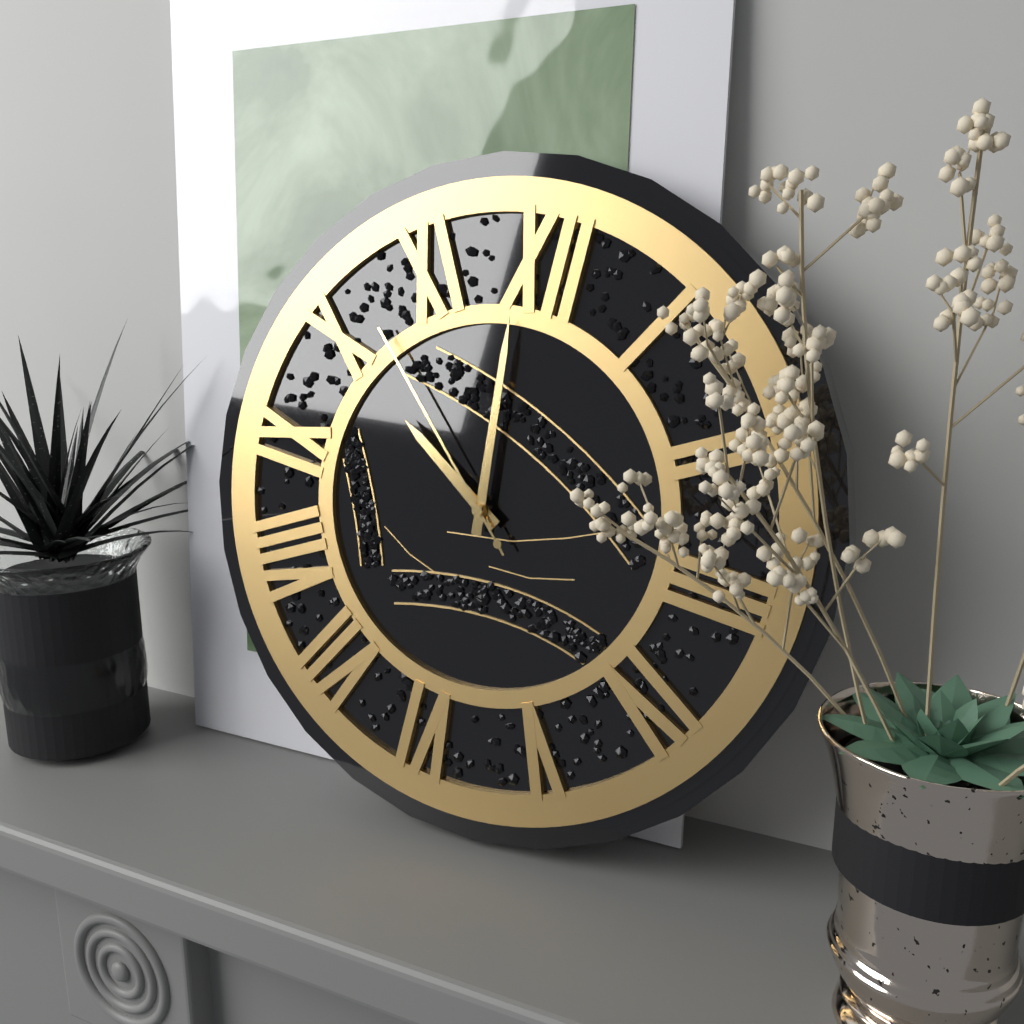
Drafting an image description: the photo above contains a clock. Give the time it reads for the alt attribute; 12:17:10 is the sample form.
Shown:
9:59:52
